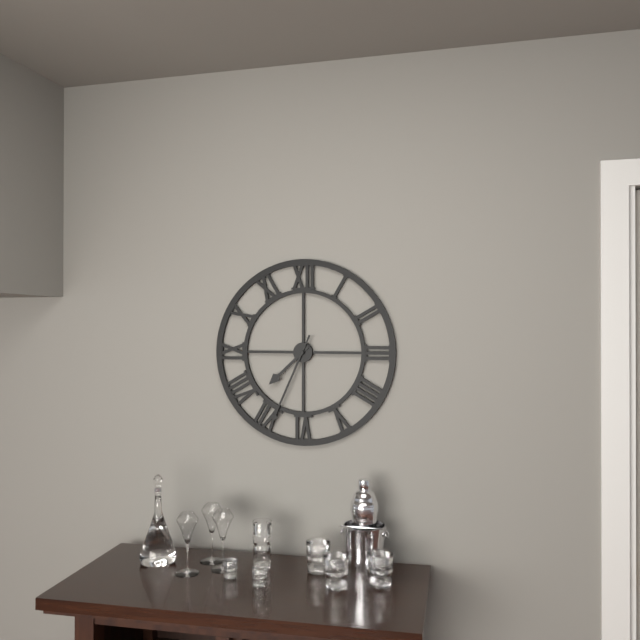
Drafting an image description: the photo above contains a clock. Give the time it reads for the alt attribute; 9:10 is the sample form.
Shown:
7:34
